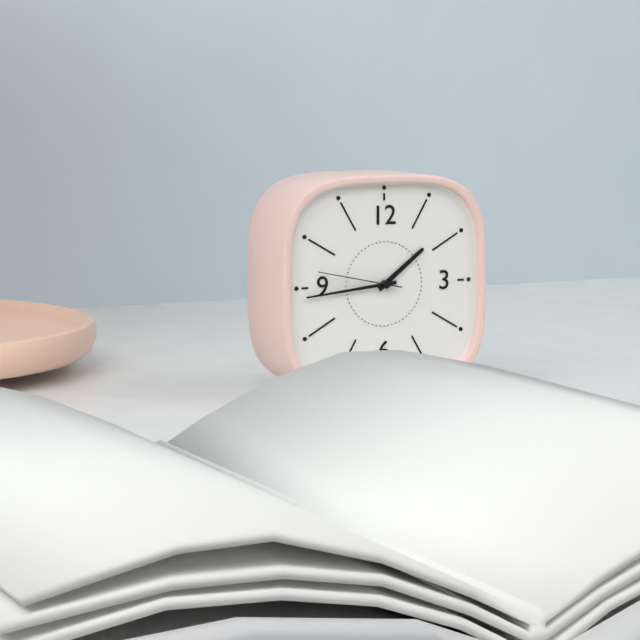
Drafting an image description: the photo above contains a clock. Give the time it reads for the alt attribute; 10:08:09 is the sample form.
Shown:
1:44:47
